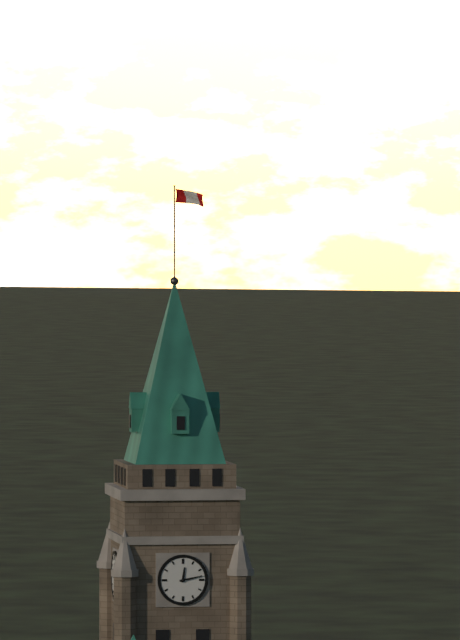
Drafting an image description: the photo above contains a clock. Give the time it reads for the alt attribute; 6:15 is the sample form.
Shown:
12:13
